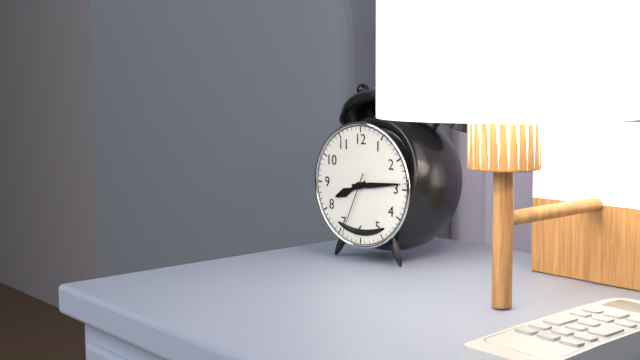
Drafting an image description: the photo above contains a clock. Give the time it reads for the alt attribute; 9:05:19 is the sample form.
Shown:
8:14:34
